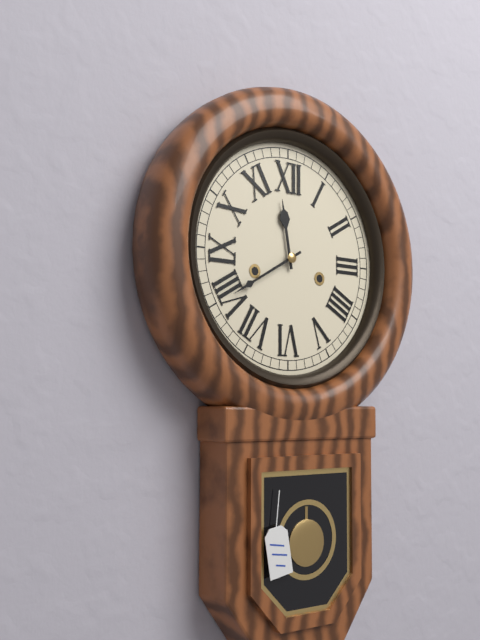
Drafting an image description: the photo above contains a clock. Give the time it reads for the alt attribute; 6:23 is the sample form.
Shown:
11:40
